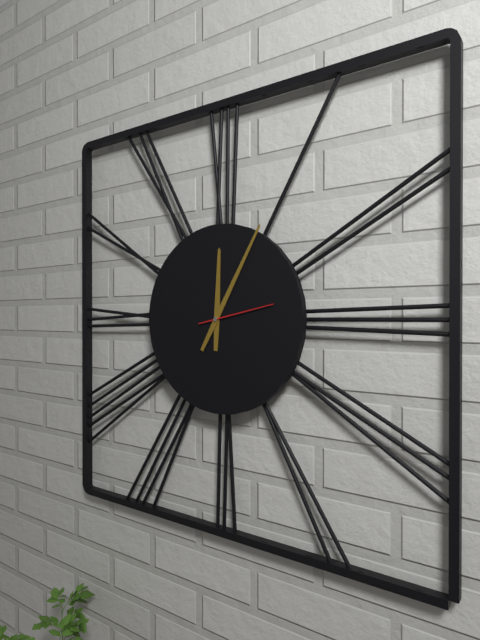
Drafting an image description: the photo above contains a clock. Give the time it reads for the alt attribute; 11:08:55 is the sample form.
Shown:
12:05:13
